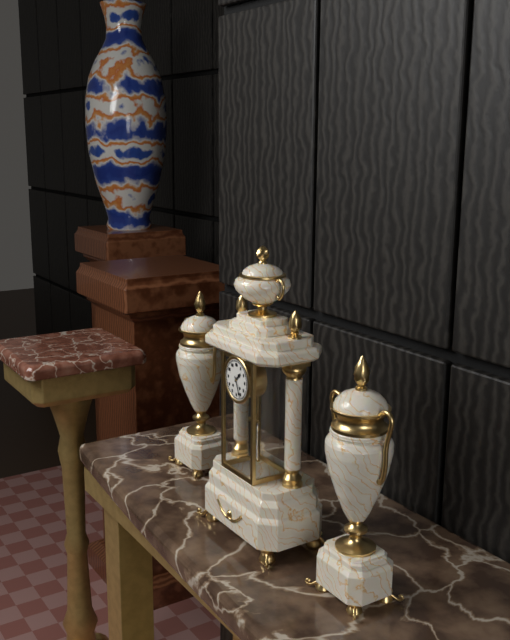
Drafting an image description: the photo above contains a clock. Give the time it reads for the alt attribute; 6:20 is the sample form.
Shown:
1:26
